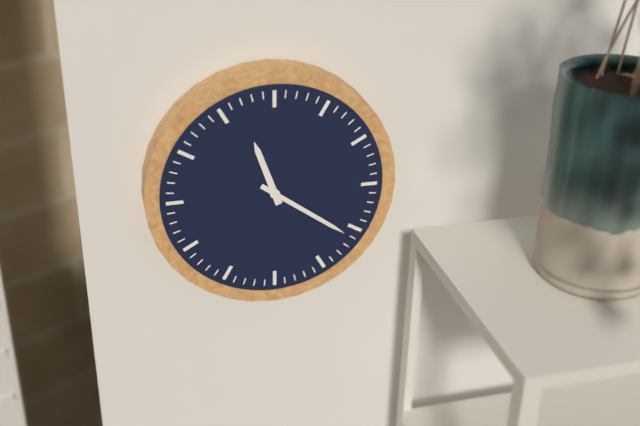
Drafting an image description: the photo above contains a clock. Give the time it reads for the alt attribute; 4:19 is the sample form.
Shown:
11:21
